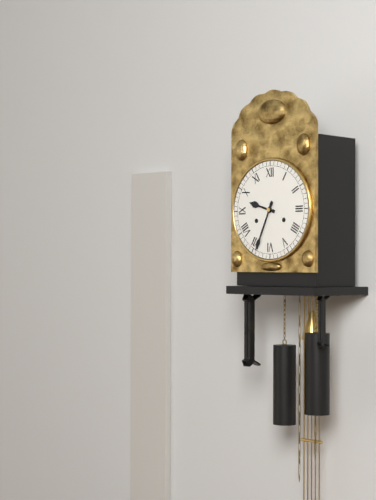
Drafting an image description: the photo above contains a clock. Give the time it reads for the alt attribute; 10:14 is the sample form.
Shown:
9:34
